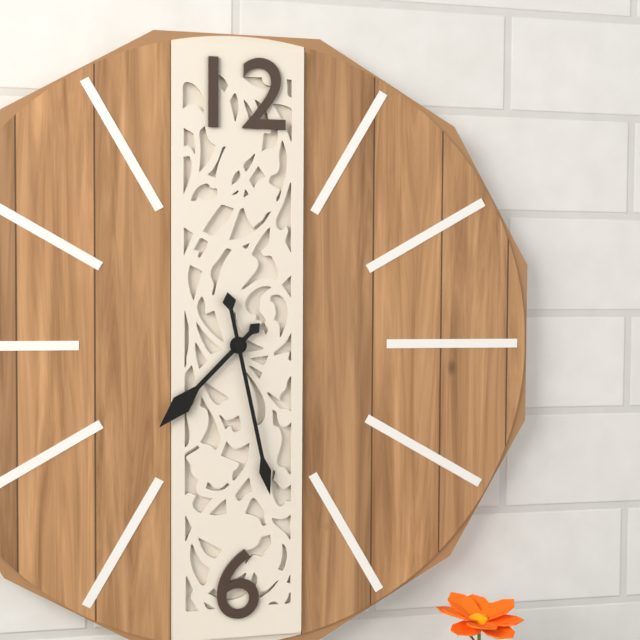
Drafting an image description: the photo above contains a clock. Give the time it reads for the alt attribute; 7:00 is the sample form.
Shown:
7:28
